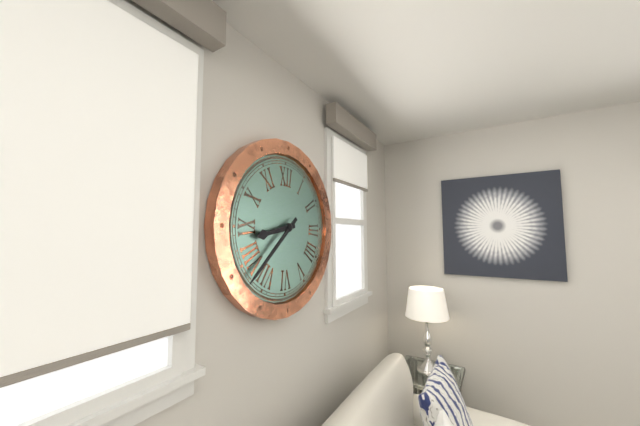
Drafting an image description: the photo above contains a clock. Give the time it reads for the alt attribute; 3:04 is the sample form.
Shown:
8:38
